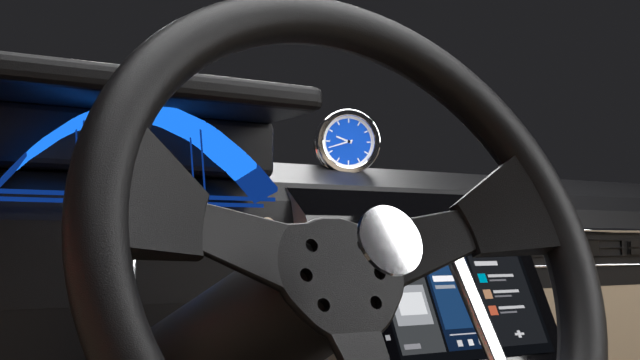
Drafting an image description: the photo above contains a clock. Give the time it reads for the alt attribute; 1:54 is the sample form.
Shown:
9:42
